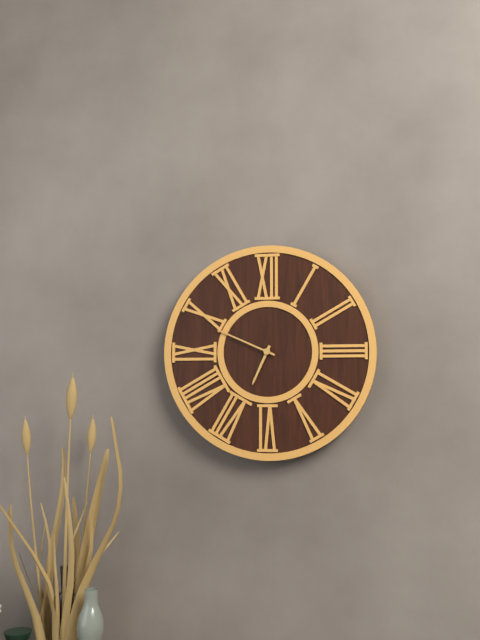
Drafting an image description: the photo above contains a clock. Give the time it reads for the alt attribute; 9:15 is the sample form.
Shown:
6:49
